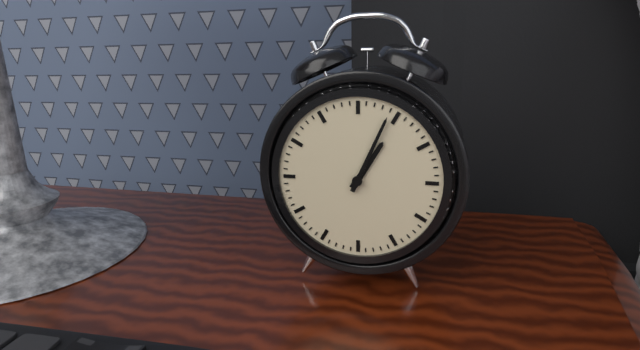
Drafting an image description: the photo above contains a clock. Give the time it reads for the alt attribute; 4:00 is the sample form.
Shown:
1:04
